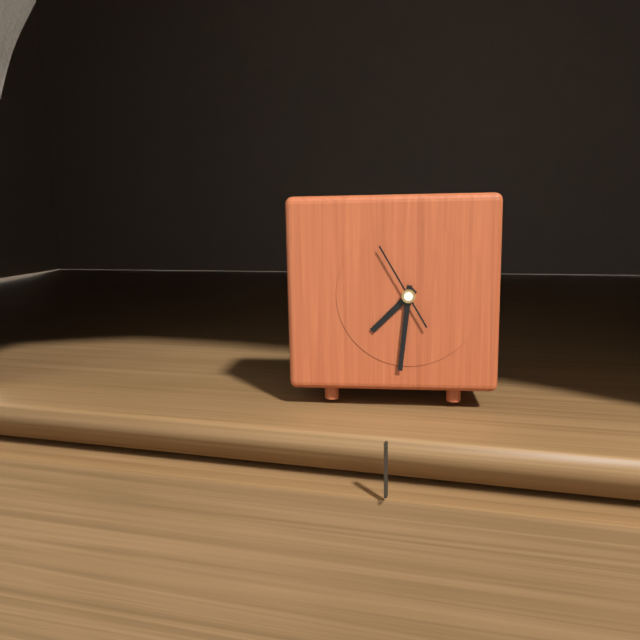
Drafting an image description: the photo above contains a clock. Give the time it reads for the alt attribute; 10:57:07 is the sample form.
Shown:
7:31:55
